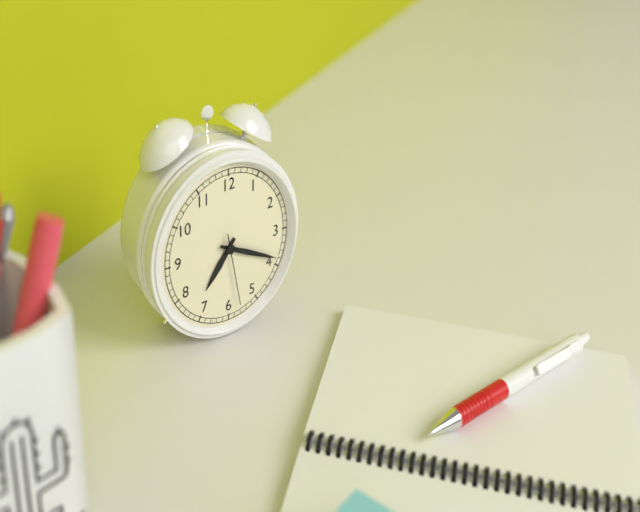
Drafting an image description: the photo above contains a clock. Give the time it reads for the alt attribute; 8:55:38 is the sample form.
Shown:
7:19:28
